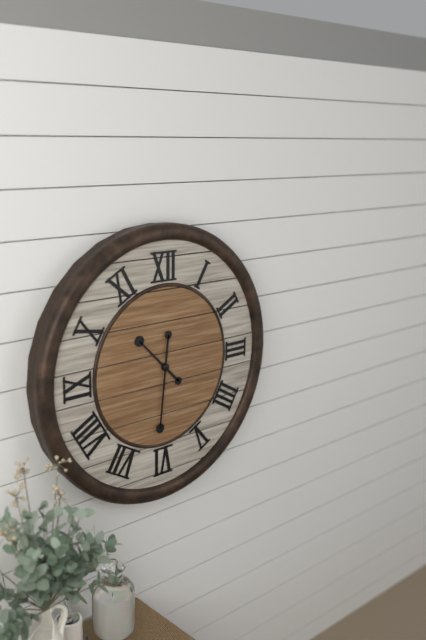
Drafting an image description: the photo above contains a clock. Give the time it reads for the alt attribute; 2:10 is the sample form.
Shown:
10:31
